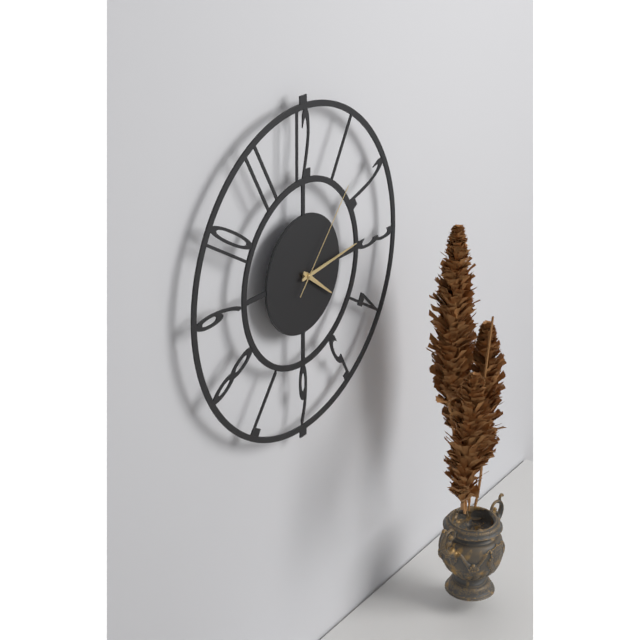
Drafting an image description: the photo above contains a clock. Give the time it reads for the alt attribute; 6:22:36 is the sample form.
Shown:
4:14:07
